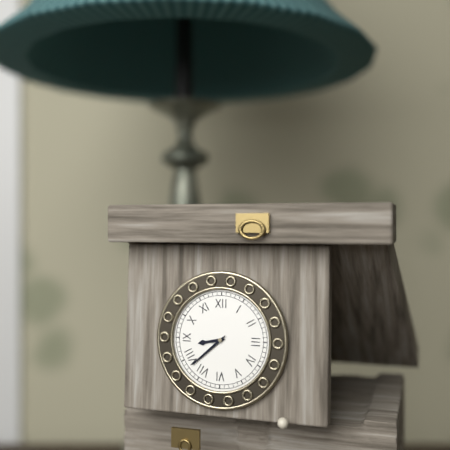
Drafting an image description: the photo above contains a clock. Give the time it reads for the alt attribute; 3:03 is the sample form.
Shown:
8:38
